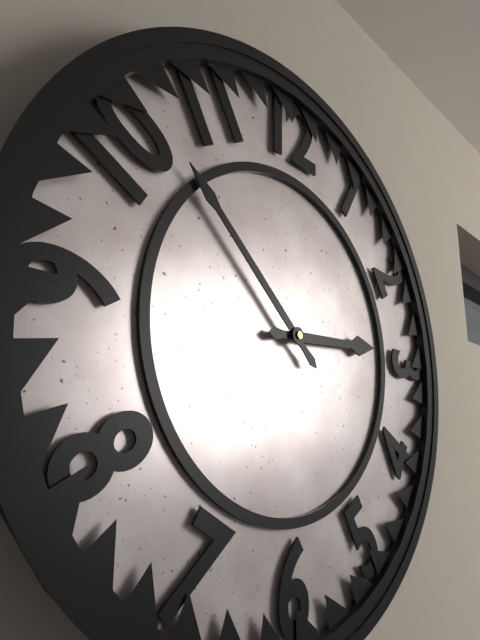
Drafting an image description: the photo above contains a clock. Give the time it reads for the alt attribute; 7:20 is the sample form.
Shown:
2:52
